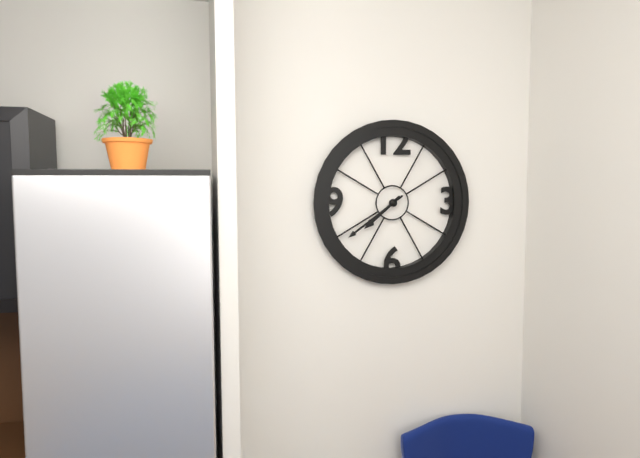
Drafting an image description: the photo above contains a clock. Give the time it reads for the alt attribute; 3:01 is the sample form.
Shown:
7:39
